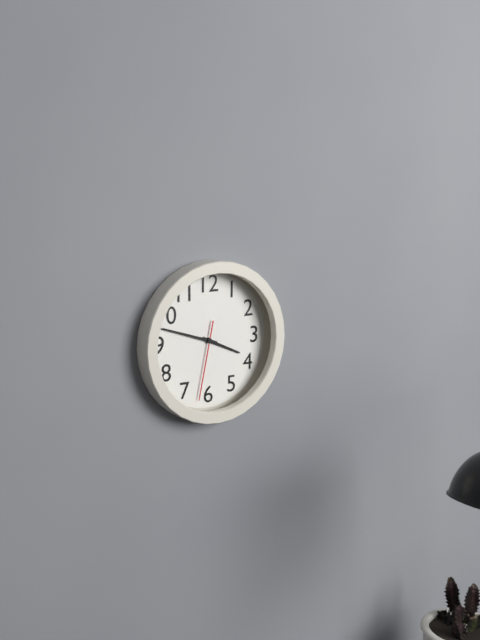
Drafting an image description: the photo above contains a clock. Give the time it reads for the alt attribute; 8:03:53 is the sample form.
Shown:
3:48:32
